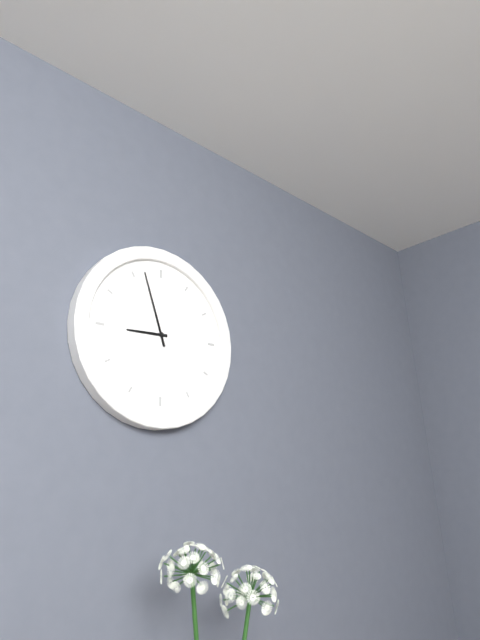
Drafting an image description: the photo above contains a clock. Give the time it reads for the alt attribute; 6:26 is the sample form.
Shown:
8:57
